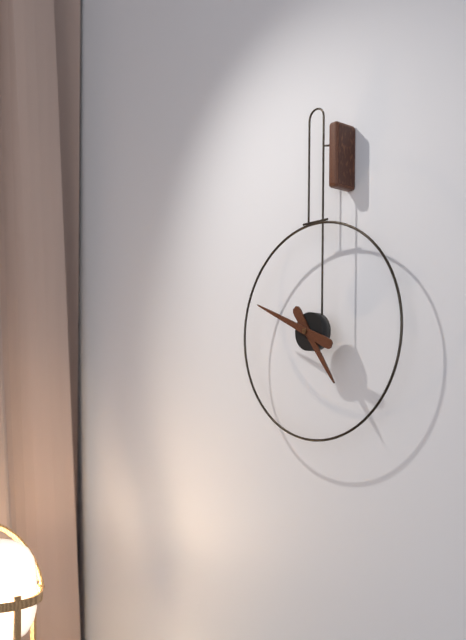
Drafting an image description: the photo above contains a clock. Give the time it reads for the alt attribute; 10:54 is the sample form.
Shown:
4:49
